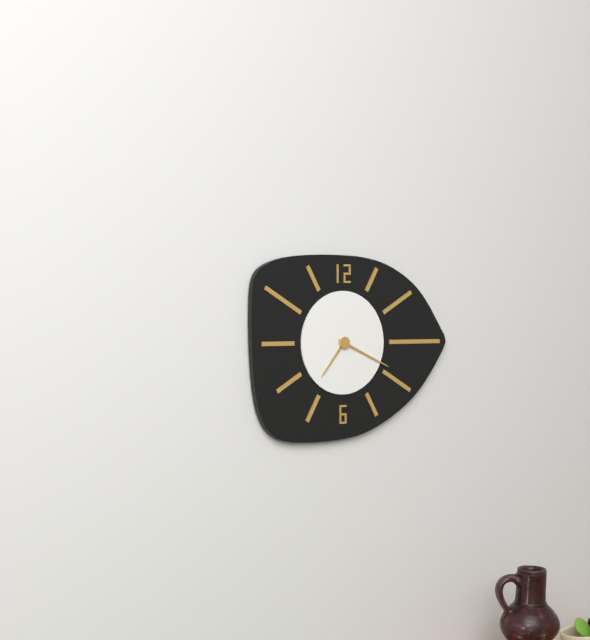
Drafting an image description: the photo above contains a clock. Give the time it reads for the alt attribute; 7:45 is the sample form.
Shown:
7:19
